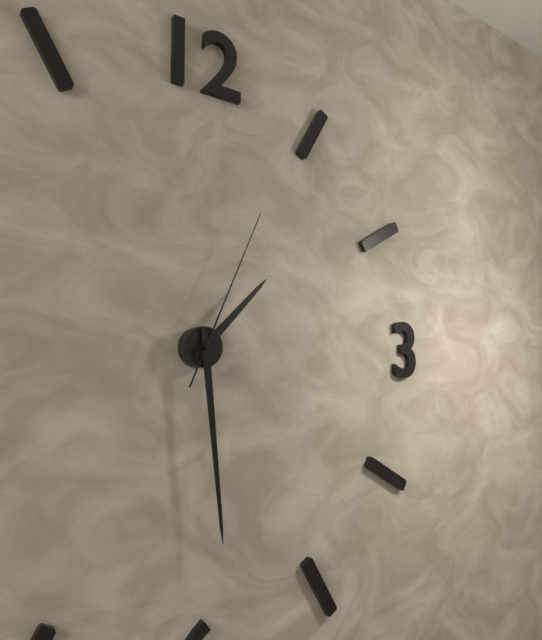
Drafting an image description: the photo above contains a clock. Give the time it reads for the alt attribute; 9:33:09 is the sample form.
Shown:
1:29:04
